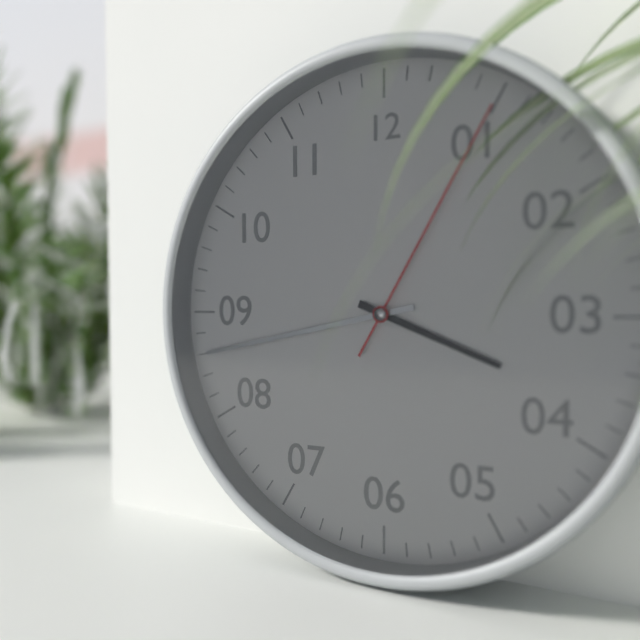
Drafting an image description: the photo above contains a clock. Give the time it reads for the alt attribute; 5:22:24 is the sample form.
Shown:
3:43:05
